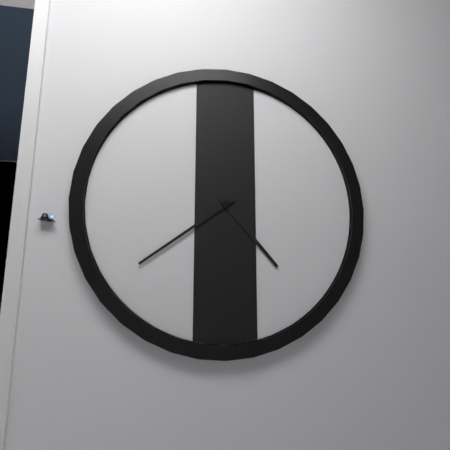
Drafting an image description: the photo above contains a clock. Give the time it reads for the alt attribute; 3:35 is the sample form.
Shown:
4:39
